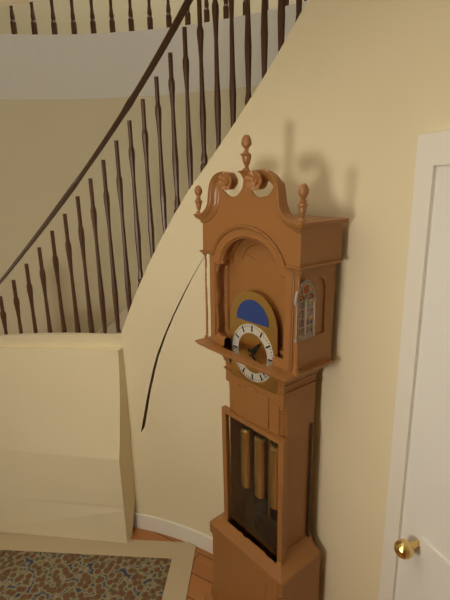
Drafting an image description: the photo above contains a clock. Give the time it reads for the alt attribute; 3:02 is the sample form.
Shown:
1:22
